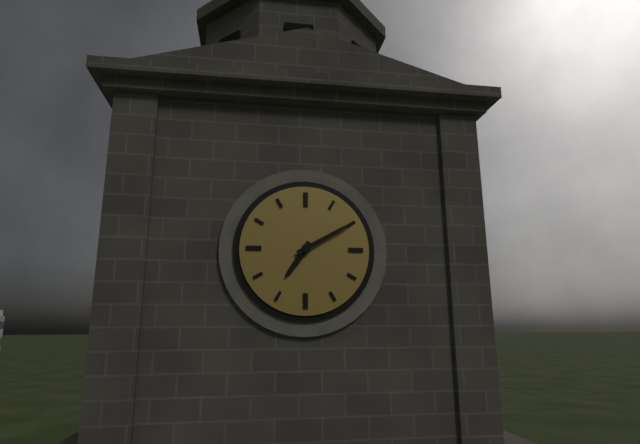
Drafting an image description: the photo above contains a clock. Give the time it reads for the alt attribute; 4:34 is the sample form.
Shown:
7:10
